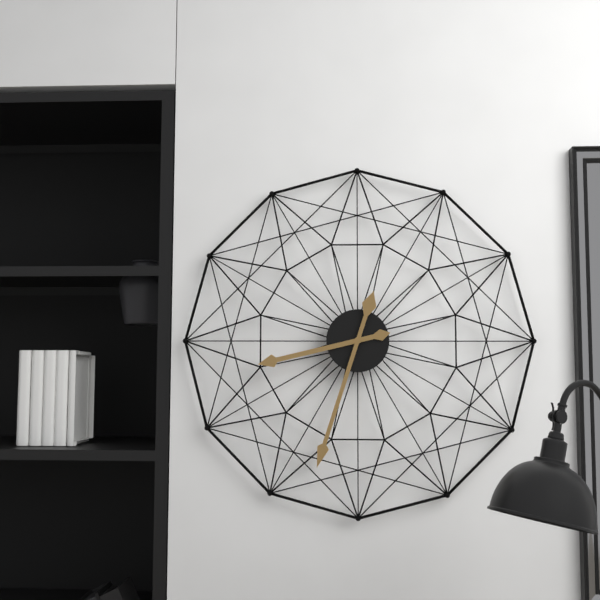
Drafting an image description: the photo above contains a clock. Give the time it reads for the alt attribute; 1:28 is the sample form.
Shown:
8:33
